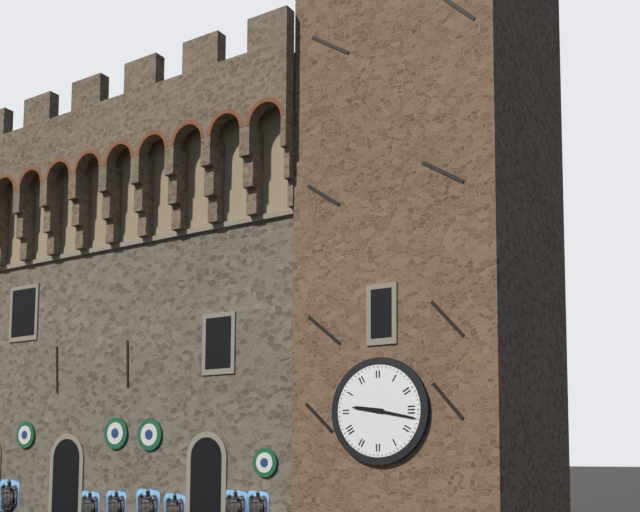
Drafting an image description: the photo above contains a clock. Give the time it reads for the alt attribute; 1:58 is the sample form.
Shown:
9:17
